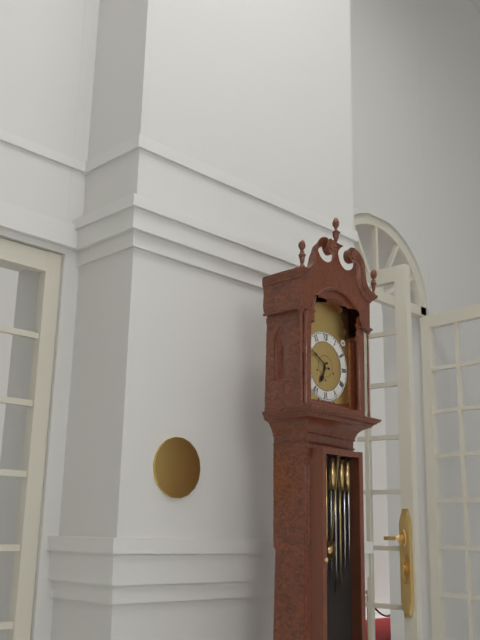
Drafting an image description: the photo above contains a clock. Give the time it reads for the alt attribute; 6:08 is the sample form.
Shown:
6:50
